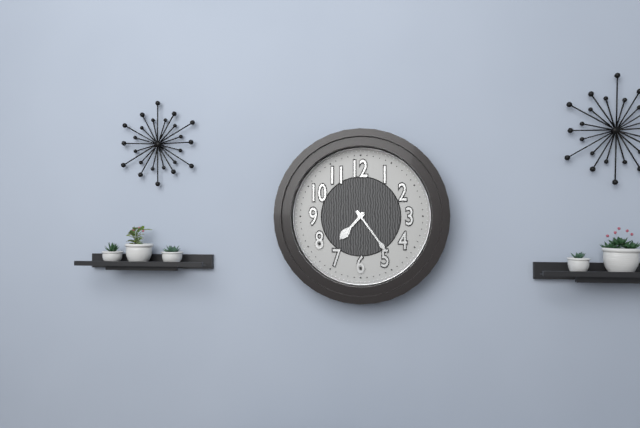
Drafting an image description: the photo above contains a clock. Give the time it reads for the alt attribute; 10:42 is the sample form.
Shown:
7:24
